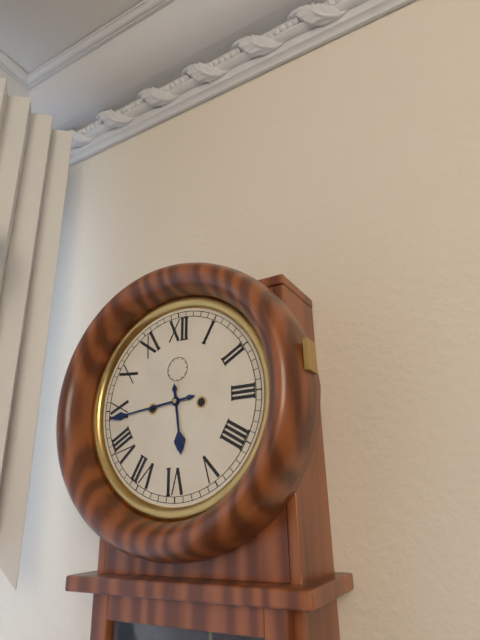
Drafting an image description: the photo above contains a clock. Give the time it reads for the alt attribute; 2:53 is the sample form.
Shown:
5:44
